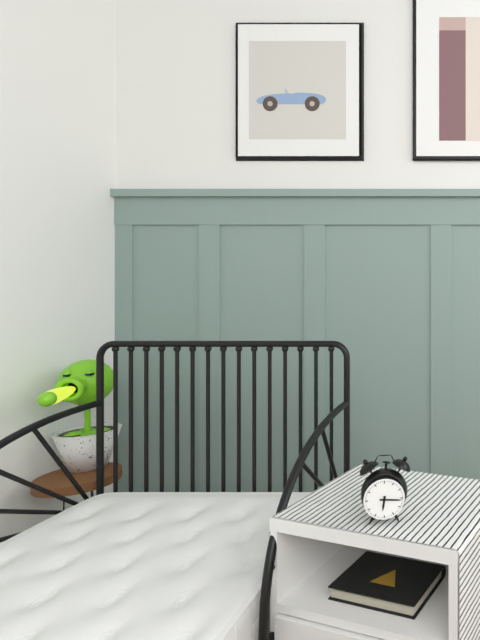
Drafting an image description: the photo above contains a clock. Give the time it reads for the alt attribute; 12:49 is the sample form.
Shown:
6:16
